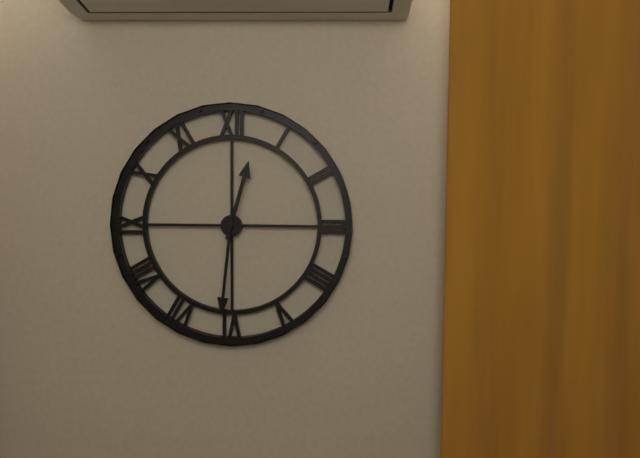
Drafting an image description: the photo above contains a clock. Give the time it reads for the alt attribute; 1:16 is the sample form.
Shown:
12:31
